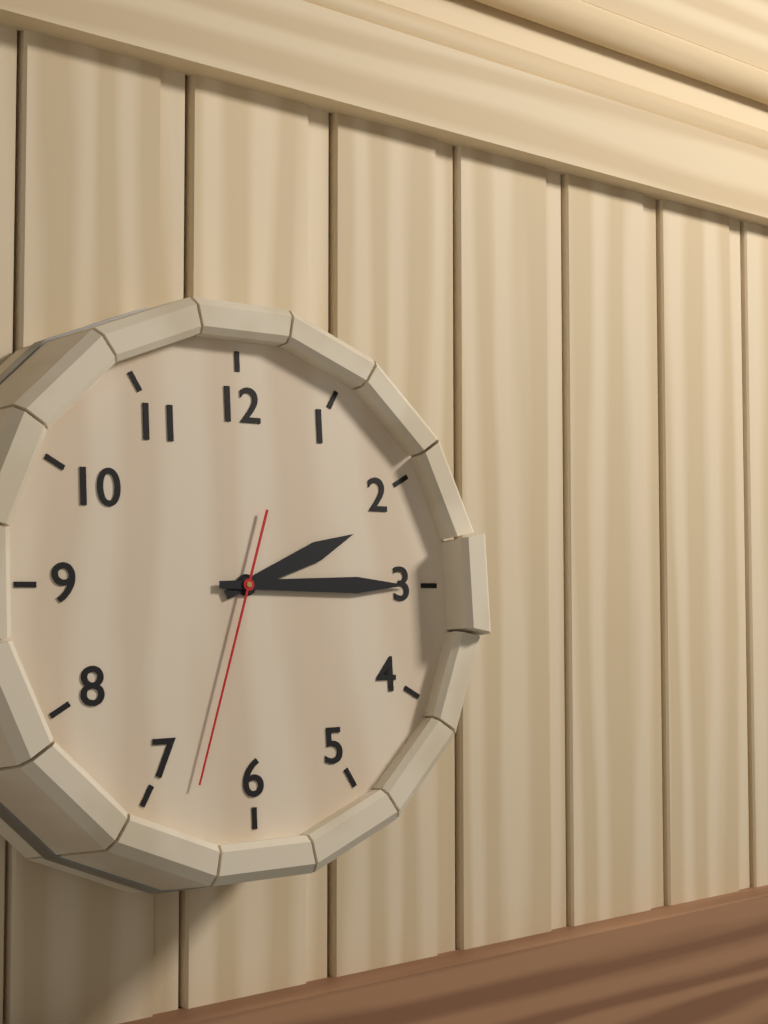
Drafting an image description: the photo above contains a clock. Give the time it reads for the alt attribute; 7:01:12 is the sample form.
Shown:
2:15:33
